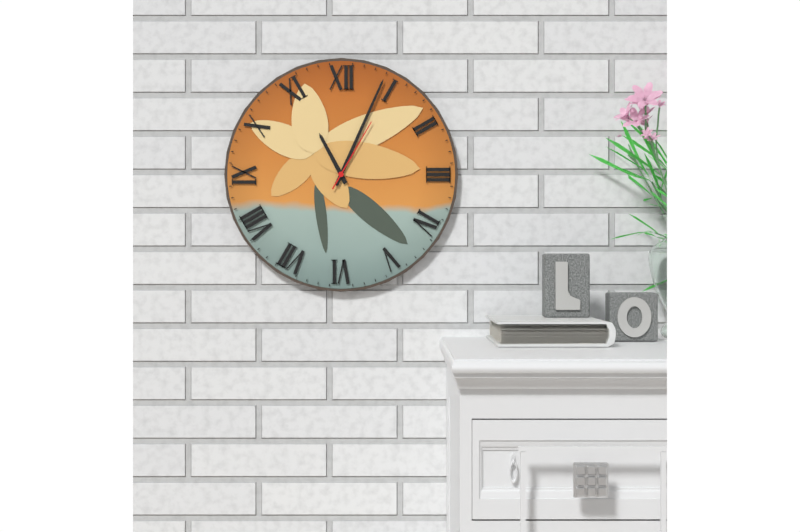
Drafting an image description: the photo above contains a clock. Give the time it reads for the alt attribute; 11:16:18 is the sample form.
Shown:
11:04:05
